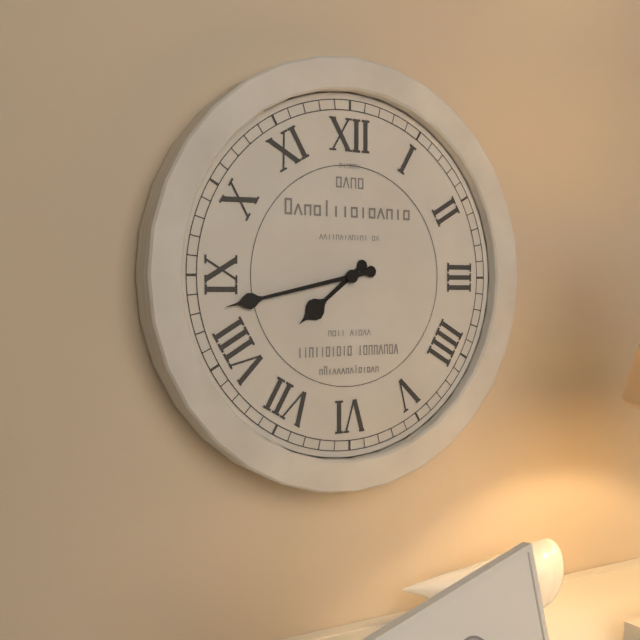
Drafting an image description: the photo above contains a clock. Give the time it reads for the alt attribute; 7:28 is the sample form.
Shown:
7:43
